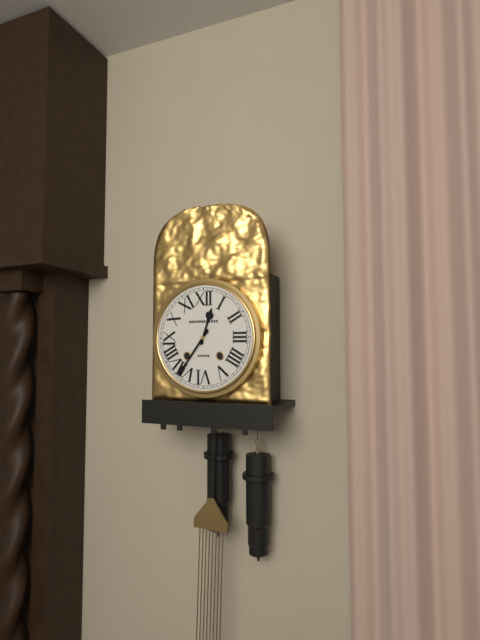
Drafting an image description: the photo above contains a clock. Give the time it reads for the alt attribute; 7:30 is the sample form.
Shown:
12:36
